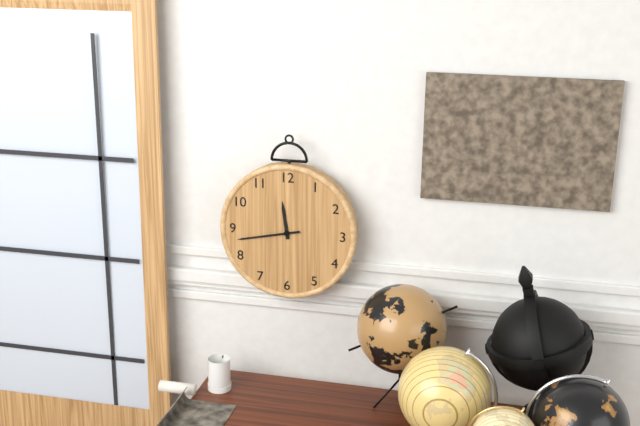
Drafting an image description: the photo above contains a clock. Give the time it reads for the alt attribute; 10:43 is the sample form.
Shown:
11:43
